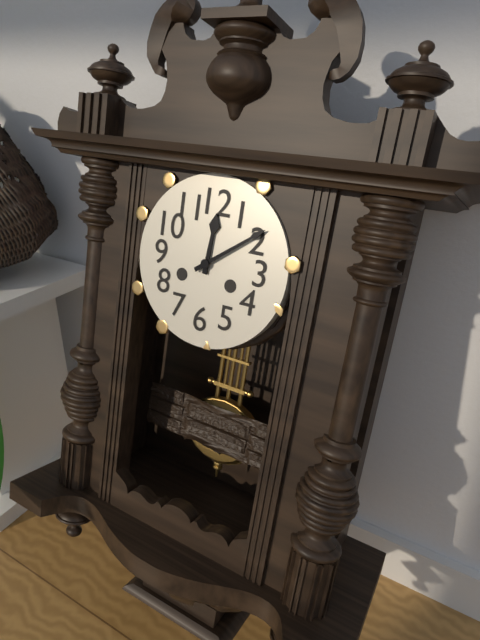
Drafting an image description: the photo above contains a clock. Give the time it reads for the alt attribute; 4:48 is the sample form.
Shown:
12:09
